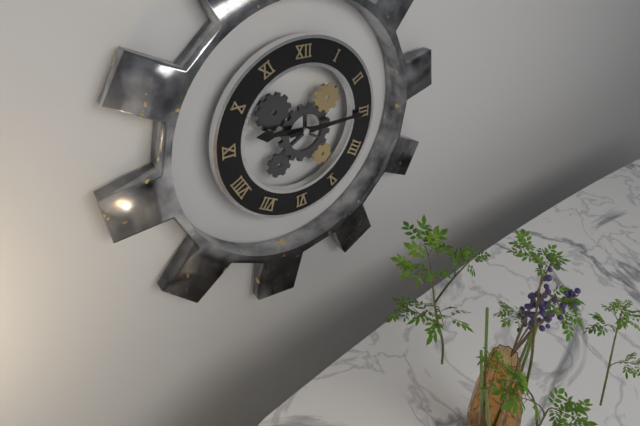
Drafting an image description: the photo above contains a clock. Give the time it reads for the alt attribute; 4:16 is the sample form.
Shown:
9:15
